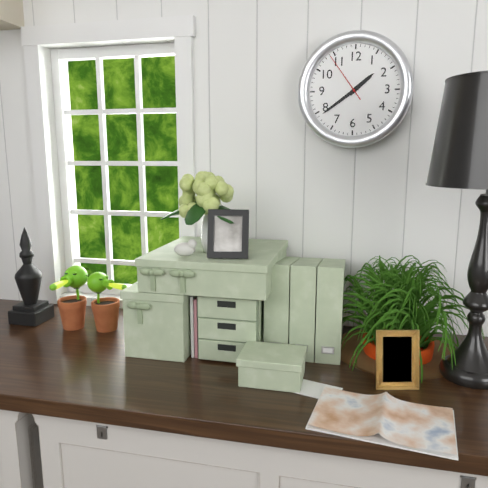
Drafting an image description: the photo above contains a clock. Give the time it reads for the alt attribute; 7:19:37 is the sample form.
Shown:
1:39:54
